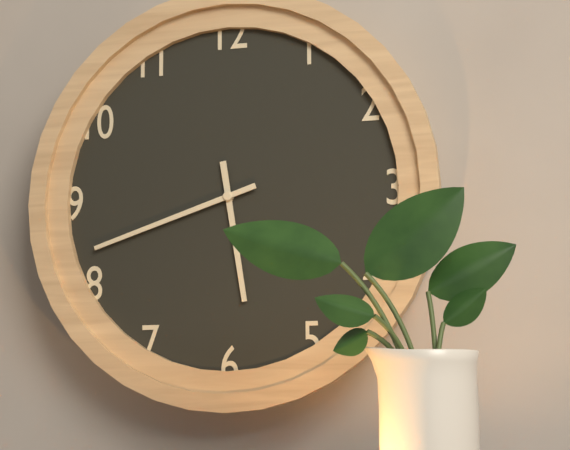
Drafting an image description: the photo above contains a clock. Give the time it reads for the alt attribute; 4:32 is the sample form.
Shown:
5:42
